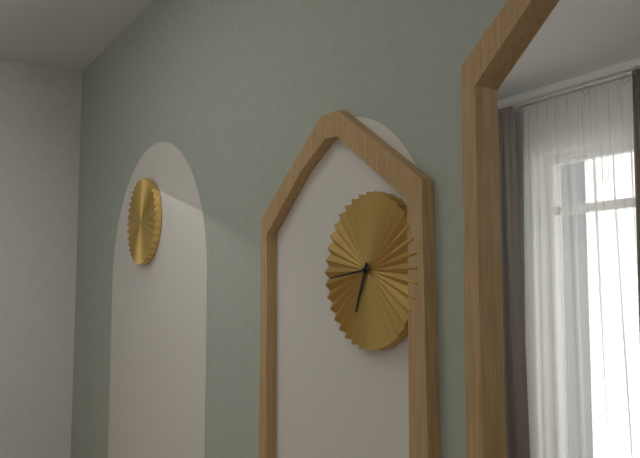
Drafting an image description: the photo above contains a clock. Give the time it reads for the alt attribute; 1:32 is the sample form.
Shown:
6:44
